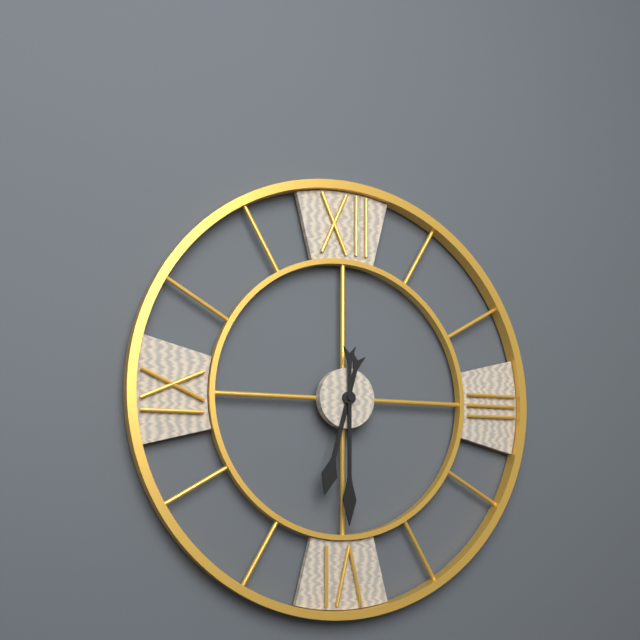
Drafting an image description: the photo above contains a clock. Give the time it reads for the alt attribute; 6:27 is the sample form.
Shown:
6:30
